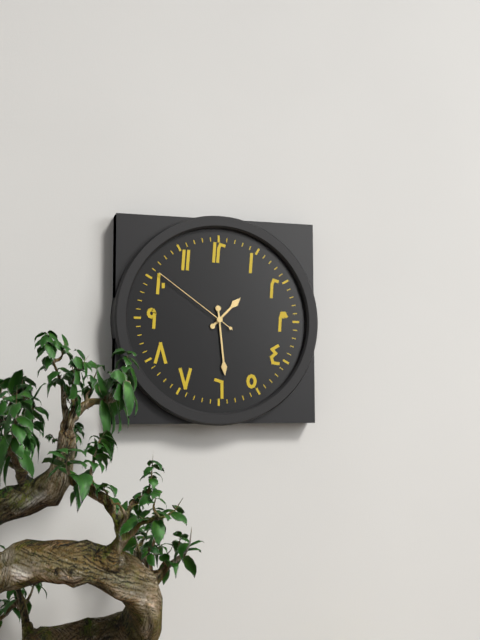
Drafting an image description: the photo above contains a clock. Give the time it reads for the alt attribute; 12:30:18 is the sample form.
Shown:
1:29:51
